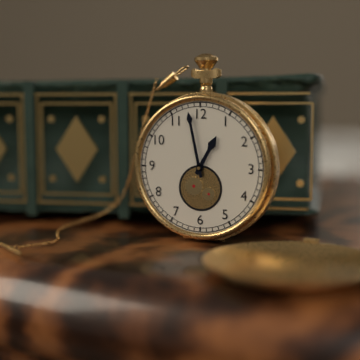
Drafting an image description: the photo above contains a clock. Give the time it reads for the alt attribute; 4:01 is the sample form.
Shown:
12:58
